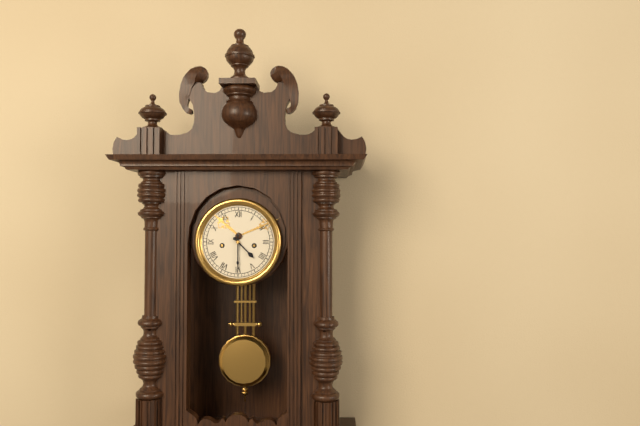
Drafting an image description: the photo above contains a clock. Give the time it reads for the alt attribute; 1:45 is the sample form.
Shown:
4:30
